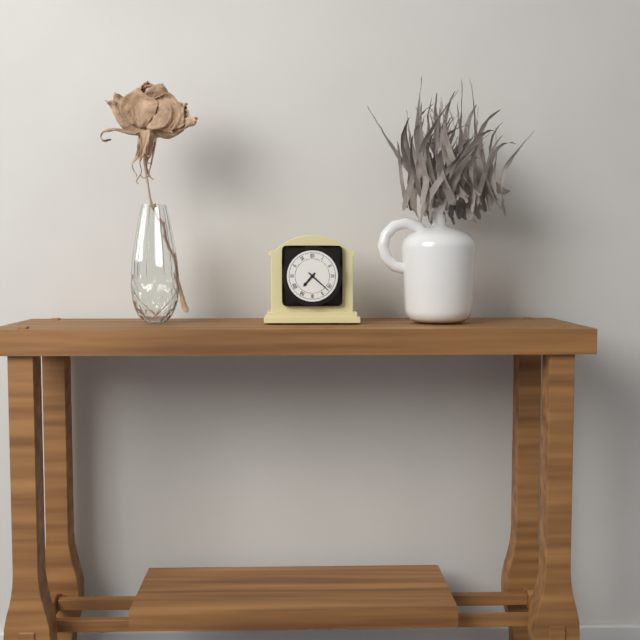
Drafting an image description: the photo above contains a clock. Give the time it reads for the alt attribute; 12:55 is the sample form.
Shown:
7:22
